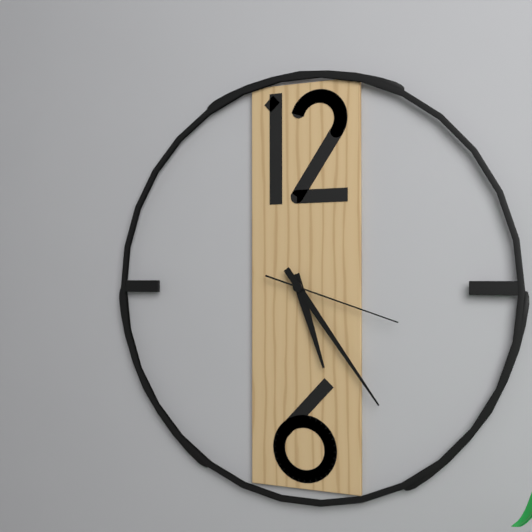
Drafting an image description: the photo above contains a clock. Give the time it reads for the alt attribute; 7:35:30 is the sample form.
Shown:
5:24:18
